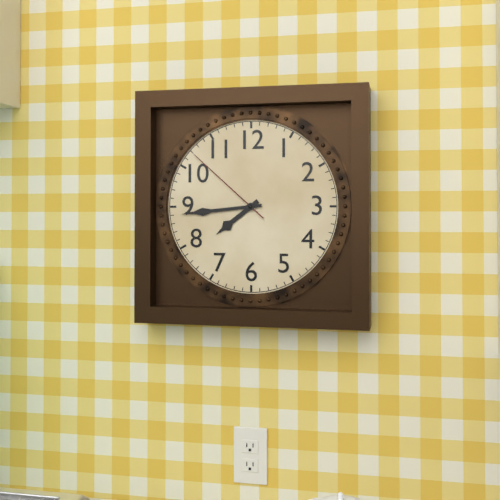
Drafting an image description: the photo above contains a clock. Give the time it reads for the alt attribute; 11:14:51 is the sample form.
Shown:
7:44:52
